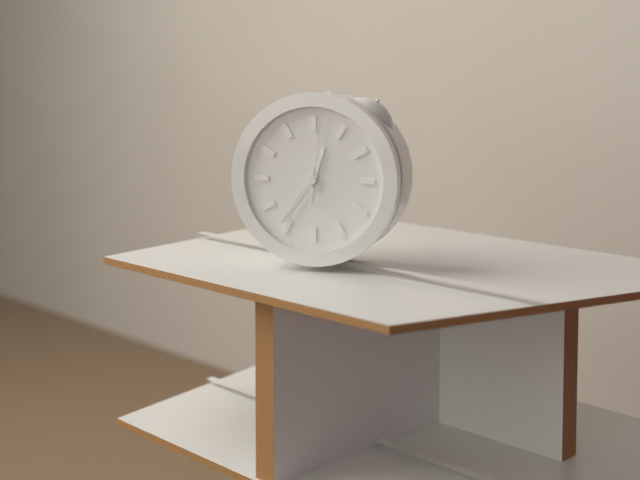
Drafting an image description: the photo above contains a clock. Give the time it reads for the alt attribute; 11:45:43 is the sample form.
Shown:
12:36:01
